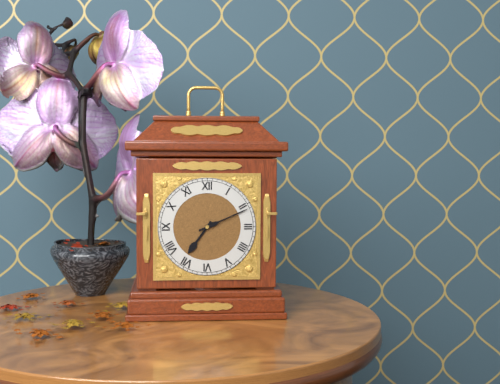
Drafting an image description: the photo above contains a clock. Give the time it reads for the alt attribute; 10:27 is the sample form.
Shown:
7:11
